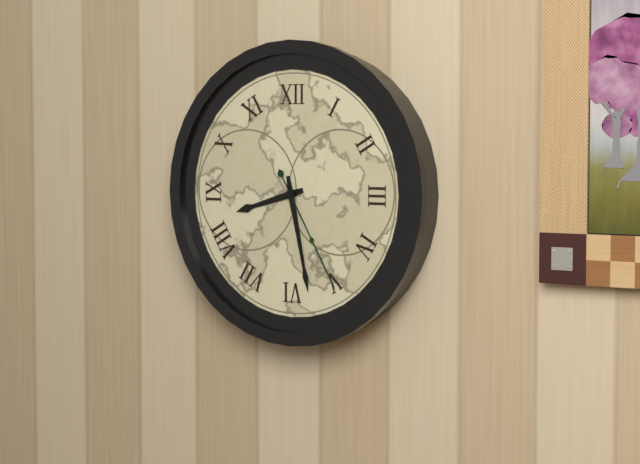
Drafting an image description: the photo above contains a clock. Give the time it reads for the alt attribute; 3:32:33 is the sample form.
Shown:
8:28:25
